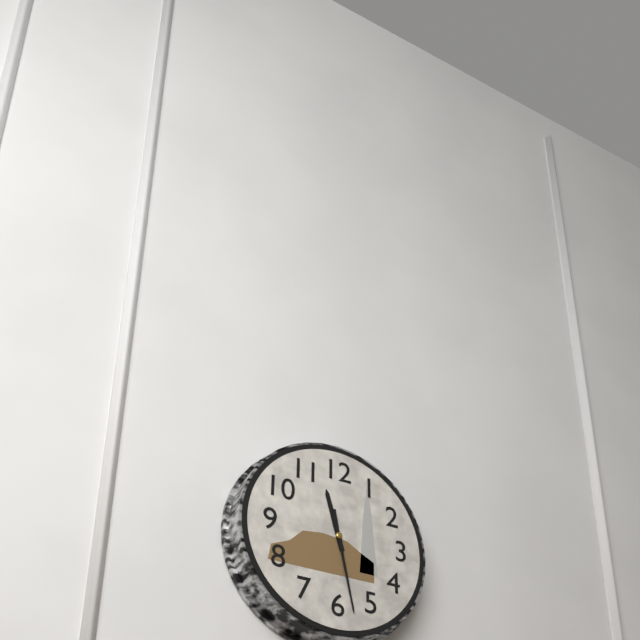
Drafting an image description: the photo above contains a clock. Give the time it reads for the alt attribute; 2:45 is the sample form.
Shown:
11:28
